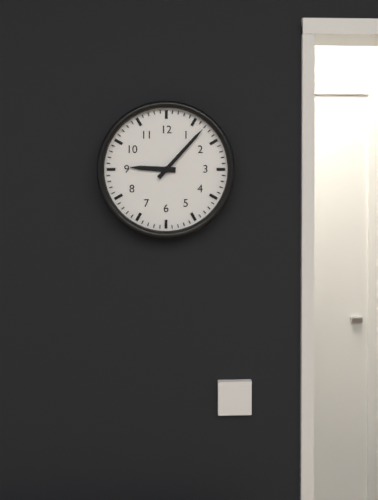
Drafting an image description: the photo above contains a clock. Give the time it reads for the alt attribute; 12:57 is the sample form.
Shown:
9:07
